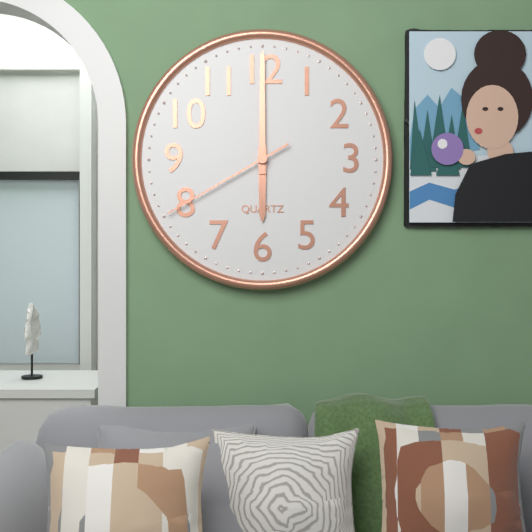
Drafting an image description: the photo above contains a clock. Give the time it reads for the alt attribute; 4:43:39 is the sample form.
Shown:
6:00:40
